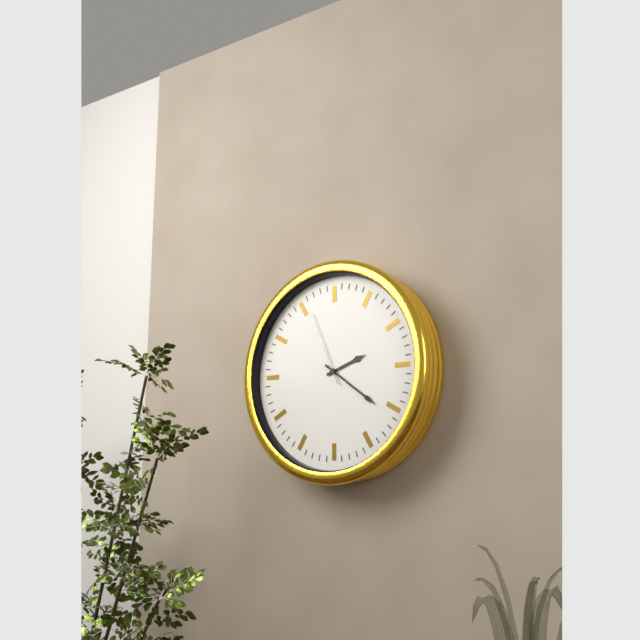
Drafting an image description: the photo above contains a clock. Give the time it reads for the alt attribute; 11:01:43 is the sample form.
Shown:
2:21:56
